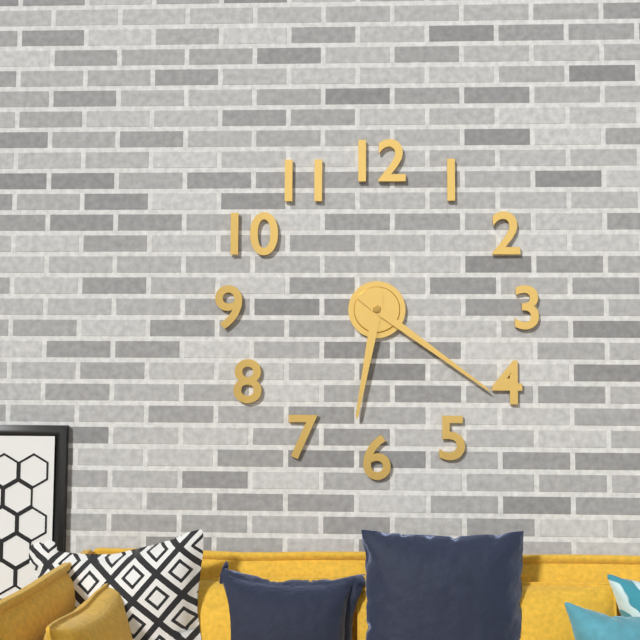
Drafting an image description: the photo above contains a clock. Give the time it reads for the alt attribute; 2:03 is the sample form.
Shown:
6:21
